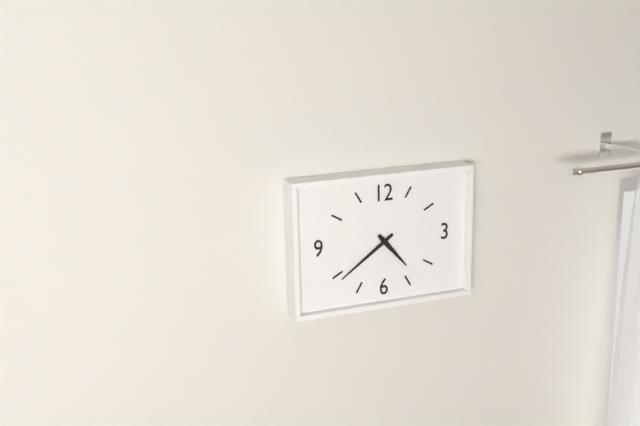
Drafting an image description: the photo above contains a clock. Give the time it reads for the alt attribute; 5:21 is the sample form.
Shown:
4:39
